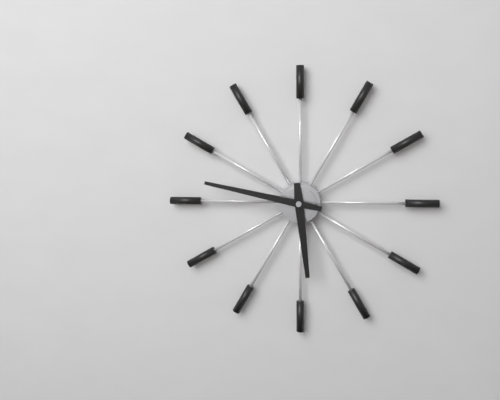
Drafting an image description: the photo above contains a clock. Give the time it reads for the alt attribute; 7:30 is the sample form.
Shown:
5:47
